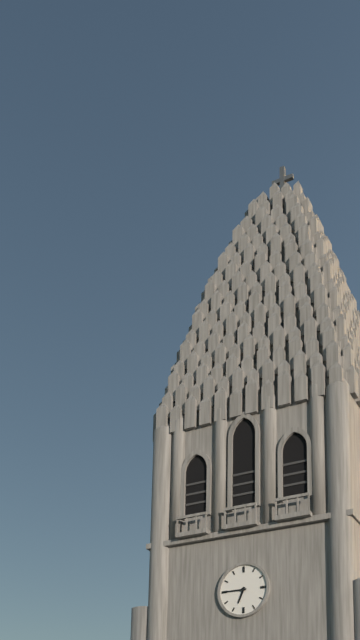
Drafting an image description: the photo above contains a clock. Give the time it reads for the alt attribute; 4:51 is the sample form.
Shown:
6:45
